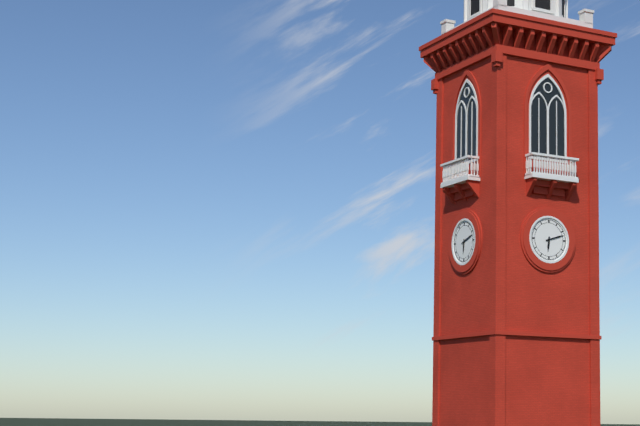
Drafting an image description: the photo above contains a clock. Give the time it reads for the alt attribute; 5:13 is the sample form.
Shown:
6:12
